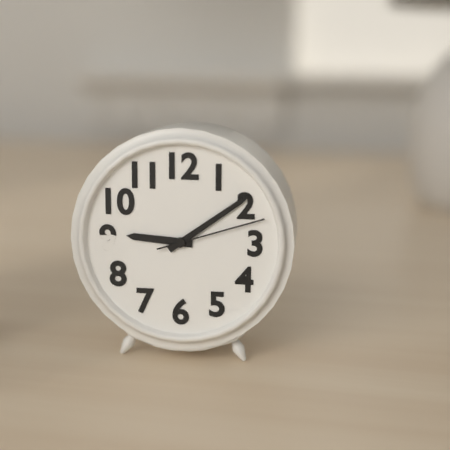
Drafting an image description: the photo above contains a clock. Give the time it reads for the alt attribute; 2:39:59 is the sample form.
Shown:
9:09:12
